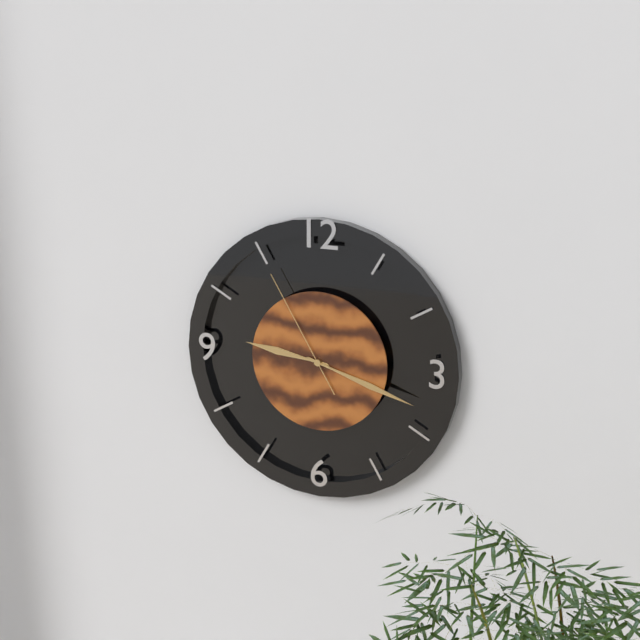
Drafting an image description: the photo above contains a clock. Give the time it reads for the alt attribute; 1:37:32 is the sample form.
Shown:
9:18:55
